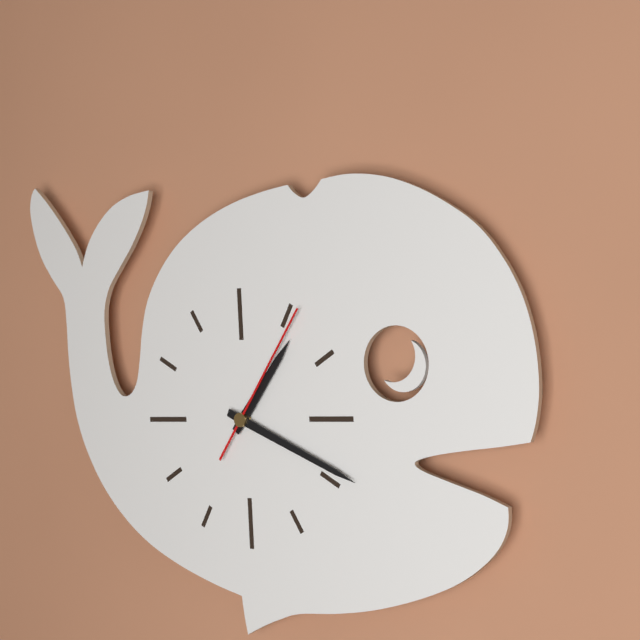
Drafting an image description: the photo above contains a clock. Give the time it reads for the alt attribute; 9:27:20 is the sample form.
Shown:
1:19:06
